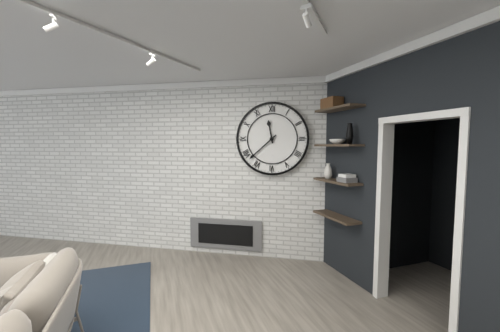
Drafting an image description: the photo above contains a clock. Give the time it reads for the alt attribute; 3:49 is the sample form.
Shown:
11:38
